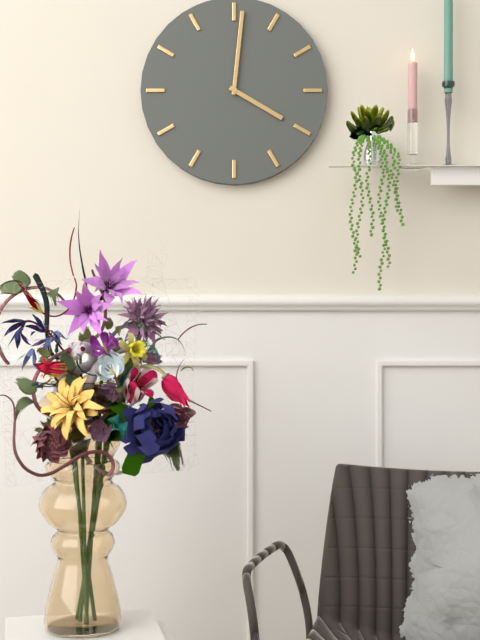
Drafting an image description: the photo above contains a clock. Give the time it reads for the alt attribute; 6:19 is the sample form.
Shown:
4:01
